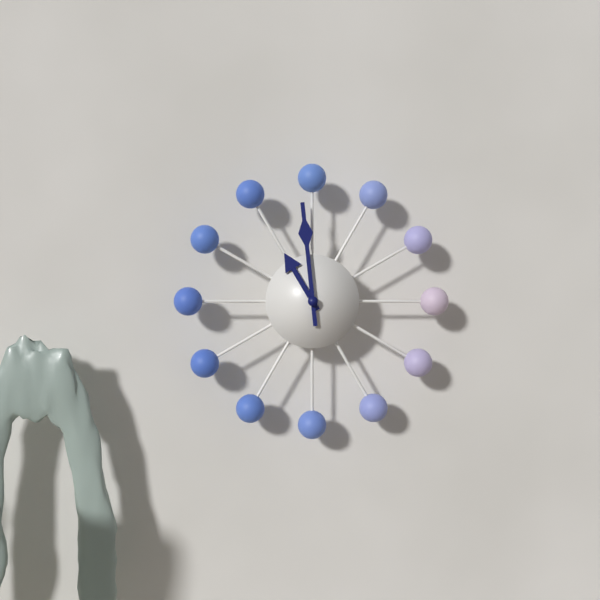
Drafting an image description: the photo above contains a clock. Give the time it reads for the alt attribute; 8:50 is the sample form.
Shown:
10:59
